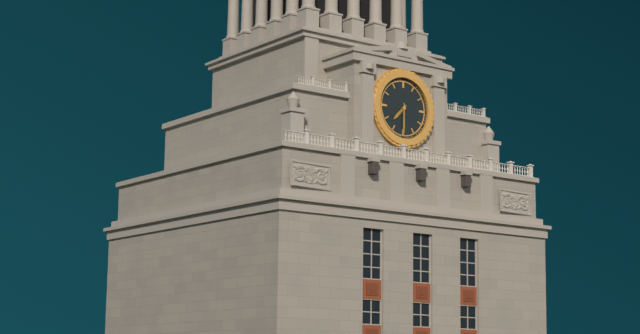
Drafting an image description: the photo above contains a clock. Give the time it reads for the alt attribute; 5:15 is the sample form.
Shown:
7:30
